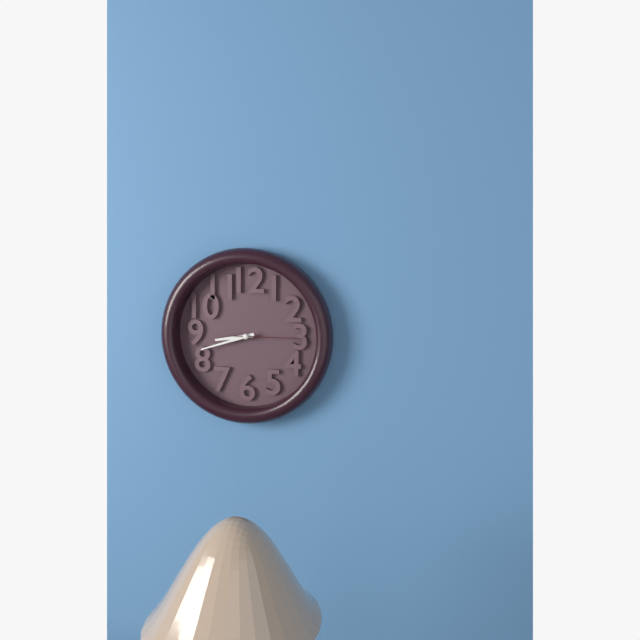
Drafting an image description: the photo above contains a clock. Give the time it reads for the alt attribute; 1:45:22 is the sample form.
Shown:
8:42:15
